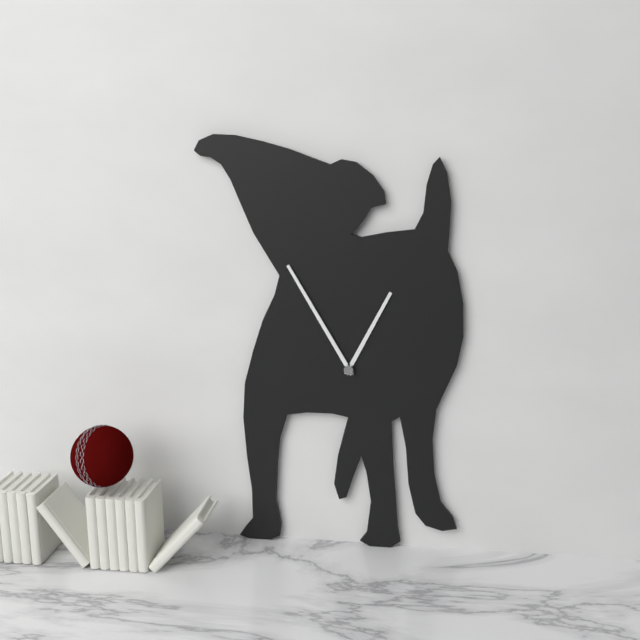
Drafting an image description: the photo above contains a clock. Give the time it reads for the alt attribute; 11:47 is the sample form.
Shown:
12:55
